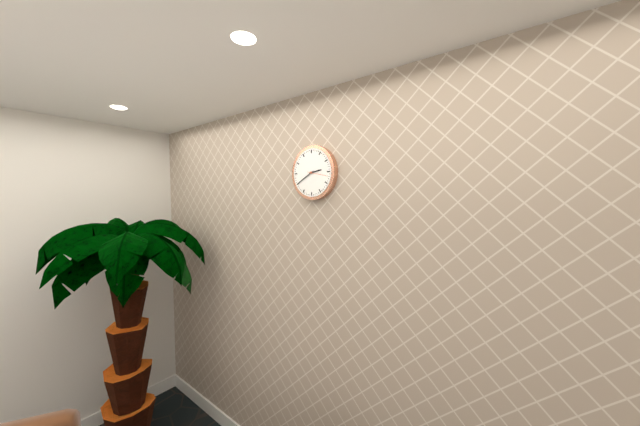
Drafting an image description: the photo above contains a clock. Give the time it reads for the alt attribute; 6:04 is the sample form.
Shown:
2:40
